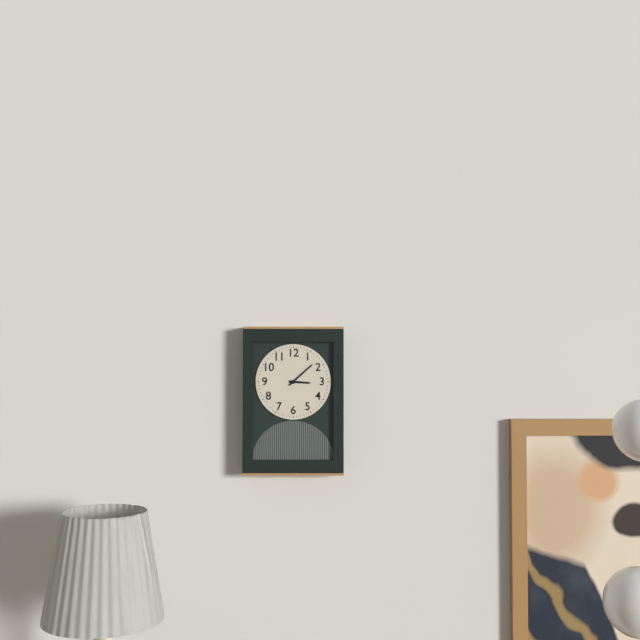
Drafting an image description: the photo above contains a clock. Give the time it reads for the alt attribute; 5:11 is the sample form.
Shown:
3:08
